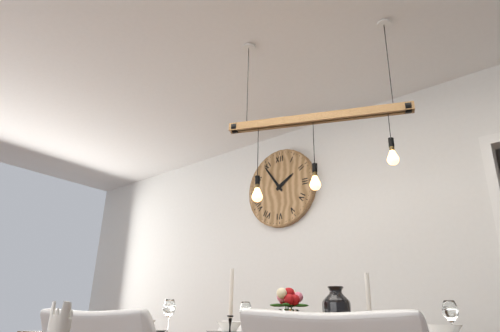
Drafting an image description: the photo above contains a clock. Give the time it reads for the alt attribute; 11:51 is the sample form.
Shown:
1:54
